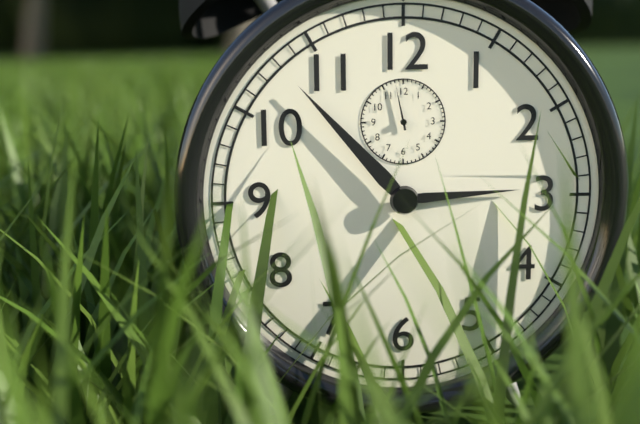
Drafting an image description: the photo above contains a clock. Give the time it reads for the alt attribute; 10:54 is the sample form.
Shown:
2:53
